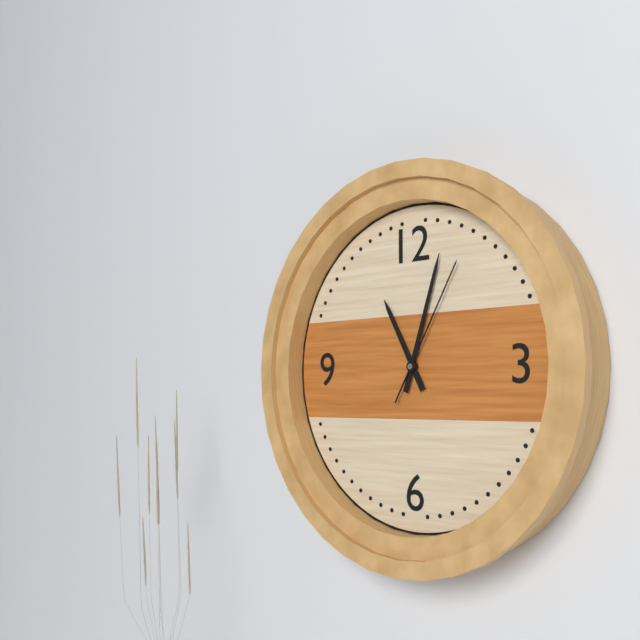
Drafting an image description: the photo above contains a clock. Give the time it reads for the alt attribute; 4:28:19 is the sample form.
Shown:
11:03:05
